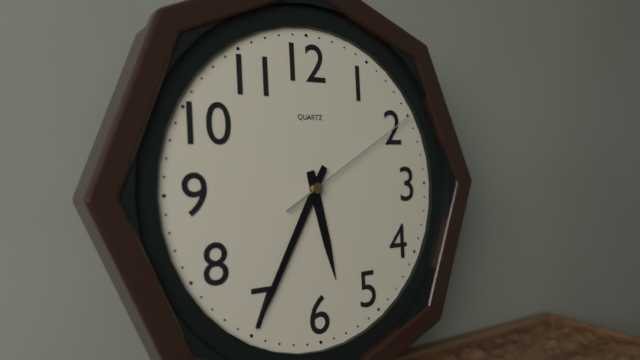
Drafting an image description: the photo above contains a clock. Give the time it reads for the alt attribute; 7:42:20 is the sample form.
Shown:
5:35:10
